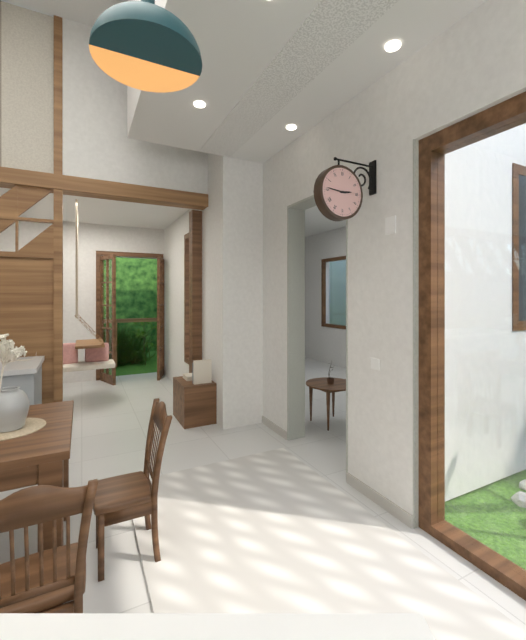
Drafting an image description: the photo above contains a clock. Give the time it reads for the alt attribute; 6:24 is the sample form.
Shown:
2:46
